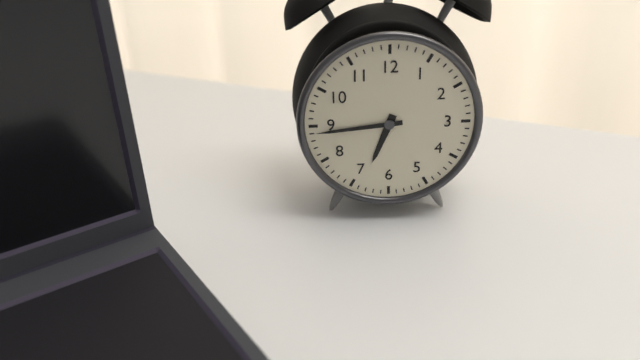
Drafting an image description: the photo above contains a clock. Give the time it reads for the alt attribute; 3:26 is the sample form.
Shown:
6:44
